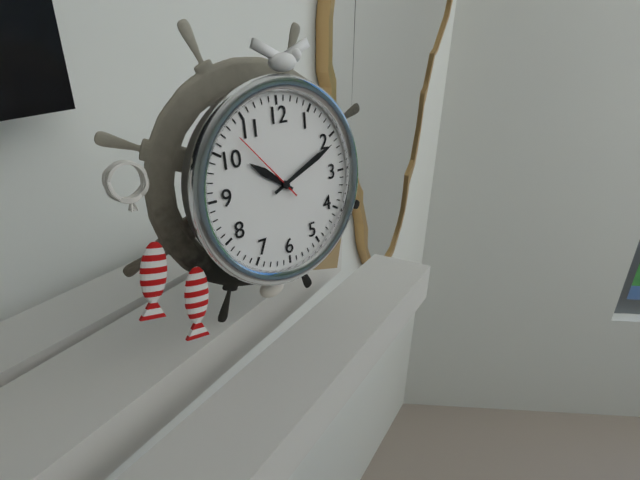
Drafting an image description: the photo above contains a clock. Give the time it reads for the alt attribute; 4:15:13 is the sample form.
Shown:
10:11:53
